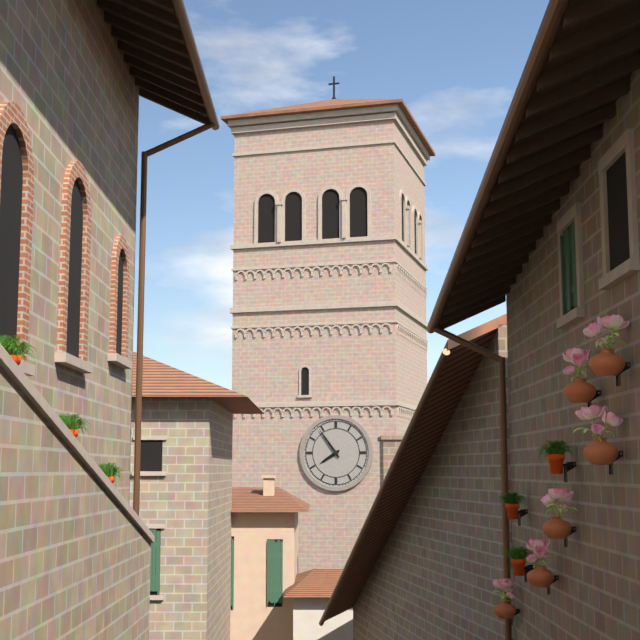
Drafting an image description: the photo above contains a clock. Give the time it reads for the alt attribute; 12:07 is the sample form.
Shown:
7:54
